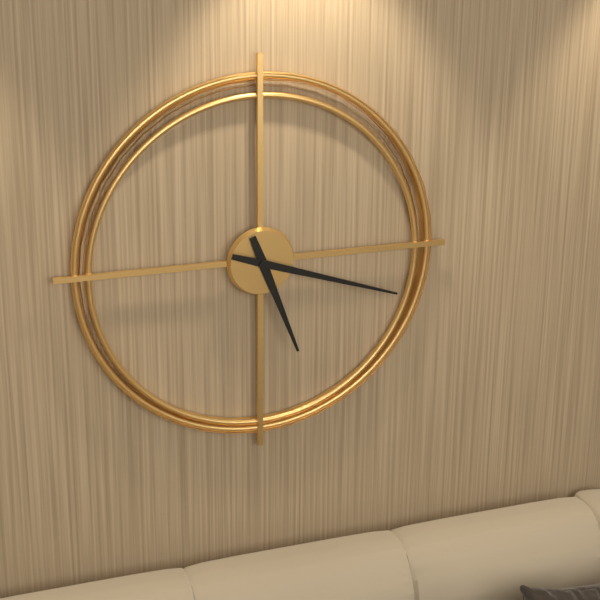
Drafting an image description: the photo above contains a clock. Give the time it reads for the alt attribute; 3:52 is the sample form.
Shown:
5:18
